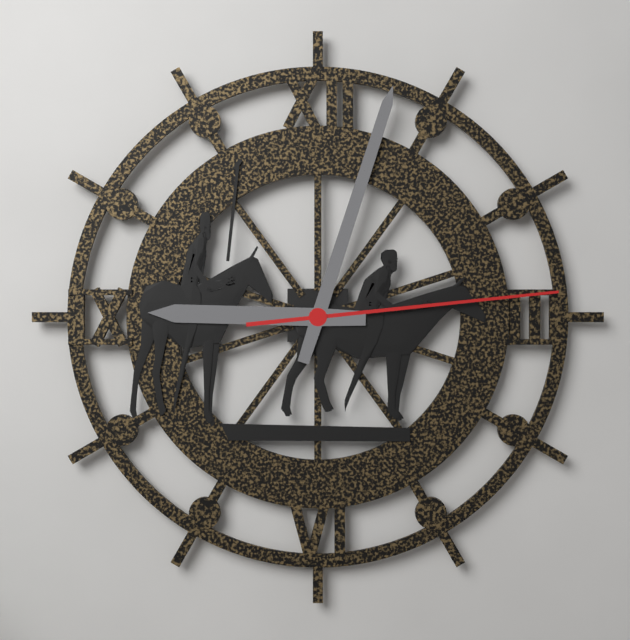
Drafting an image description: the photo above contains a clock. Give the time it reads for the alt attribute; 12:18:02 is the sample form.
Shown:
9:03:14
